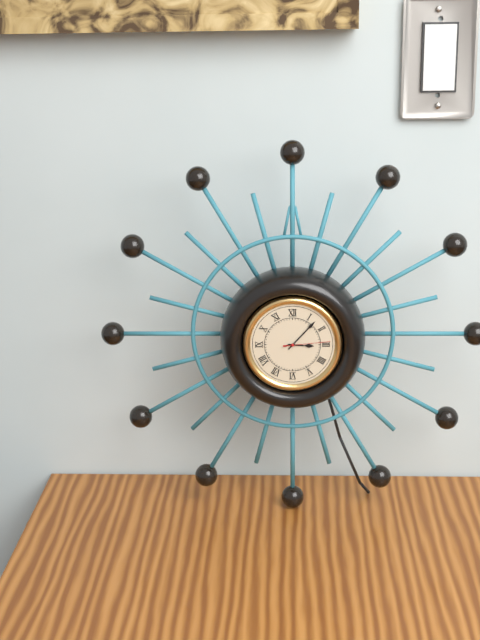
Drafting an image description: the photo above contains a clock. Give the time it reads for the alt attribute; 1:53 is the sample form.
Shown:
3:07
